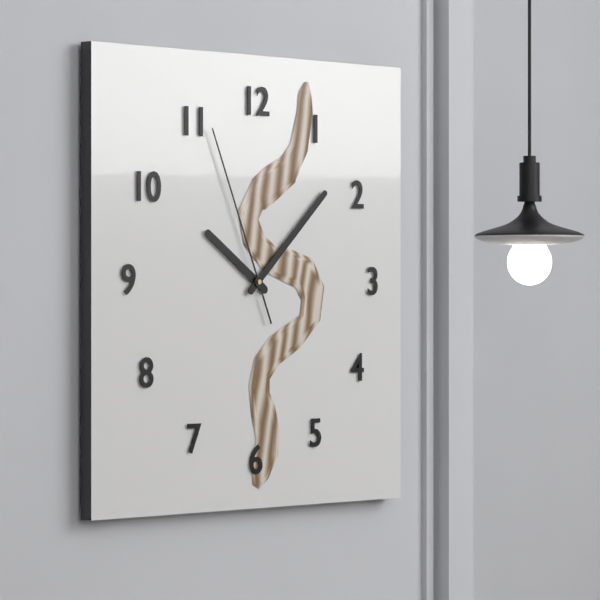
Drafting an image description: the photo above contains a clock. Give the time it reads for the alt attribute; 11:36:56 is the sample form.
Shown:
10:08:56
